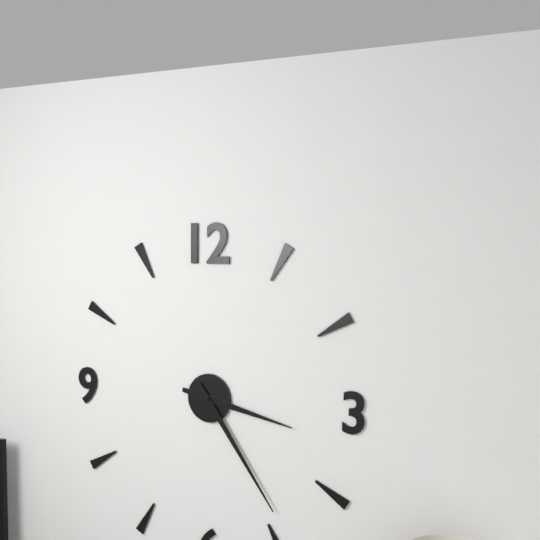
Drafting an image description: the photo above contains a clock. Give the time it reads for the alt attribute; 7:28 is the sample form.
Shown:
3:24
